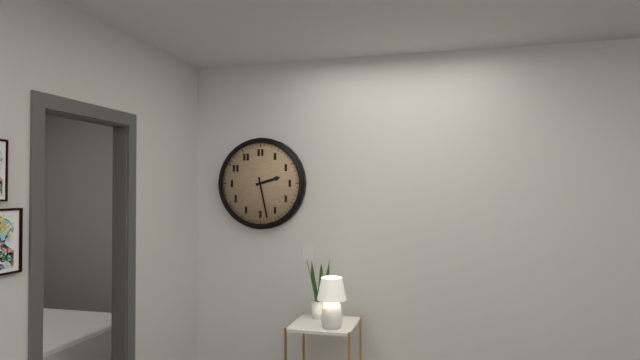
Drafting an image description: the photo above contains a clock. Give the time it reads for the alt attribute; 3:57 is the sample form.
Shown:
2:28
